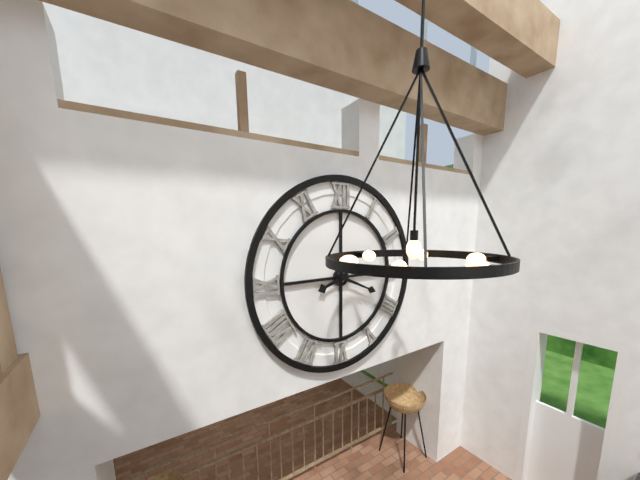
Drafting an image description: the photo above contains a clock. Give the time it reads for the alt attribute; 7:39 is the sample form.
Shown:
8:19
